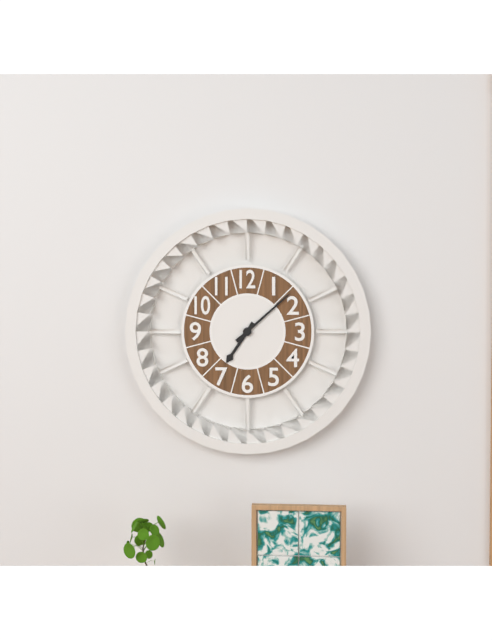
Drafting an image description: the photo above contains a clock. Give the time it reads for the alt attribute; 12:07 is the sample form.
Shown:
7:08
